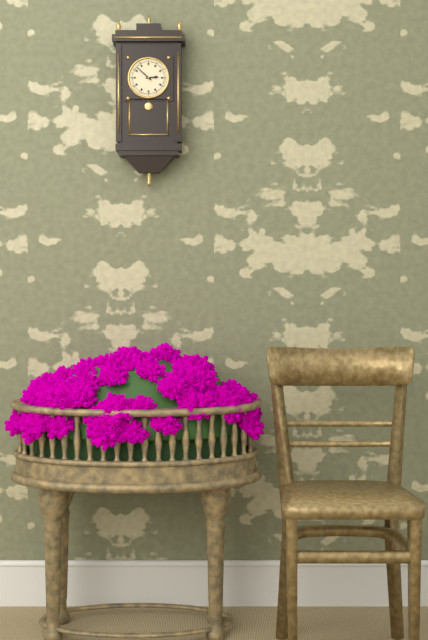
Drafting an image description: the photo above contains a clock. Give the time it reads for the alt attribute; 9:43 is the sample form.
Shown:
2:52
